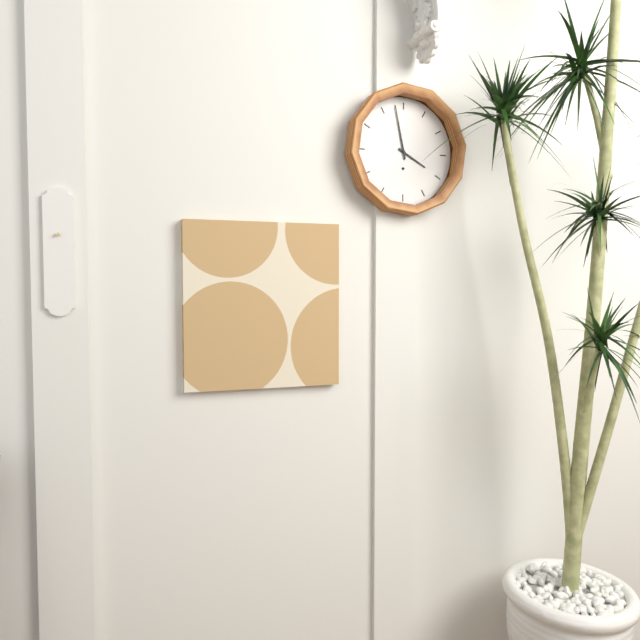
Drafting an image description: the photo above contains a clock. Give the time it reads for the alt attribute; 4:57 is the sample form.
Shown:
3:58
